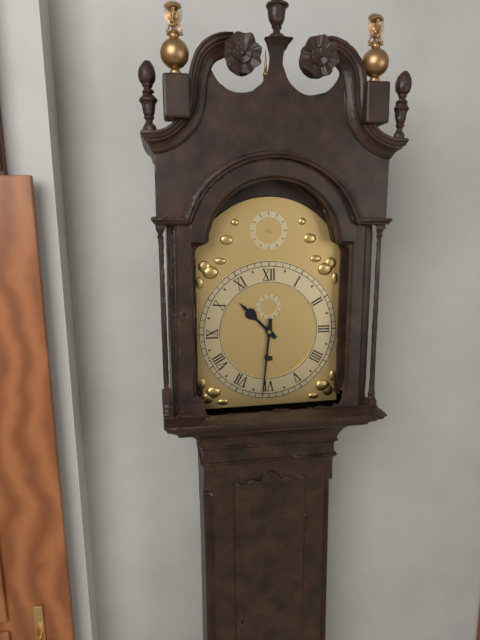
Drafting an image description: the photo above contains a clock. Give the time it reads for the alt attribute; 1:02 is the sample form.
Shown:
10:31
